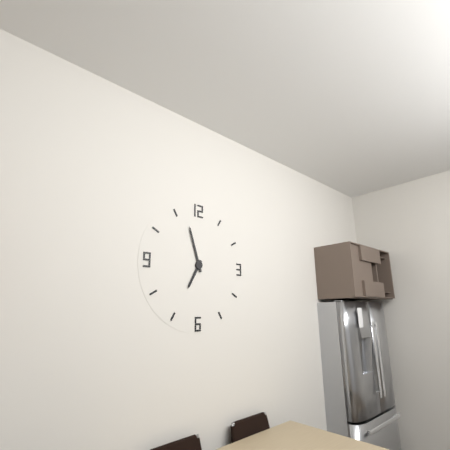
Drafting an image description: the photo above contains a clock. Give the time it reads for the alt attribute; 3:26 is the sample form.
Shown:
6:57
